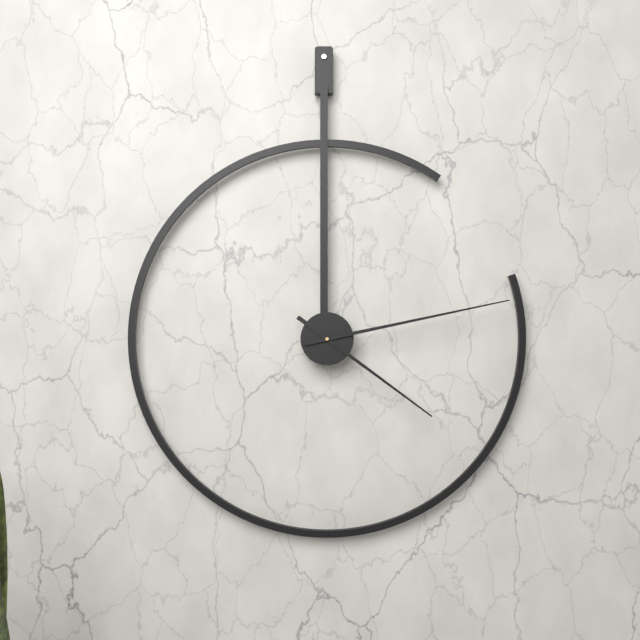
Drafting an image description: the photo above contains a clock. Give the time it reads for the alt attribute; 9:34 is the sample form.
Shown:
4:13
